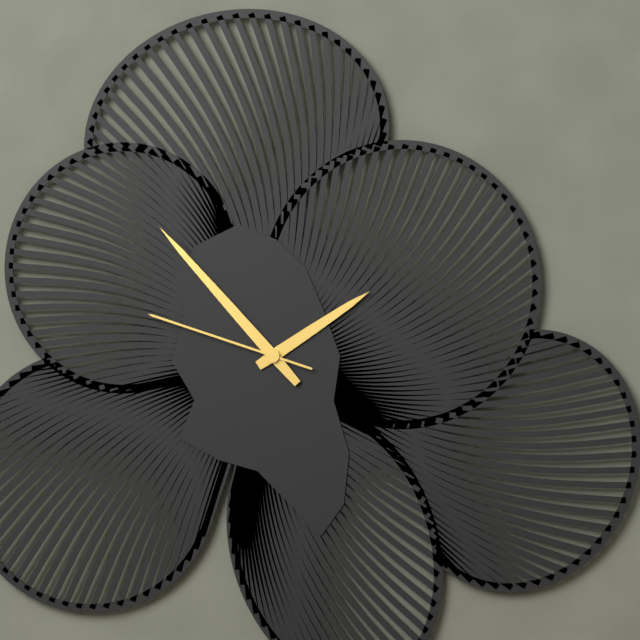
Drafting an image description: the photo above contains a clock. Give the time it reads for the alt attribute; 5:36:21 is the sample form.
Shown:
1:53:48
